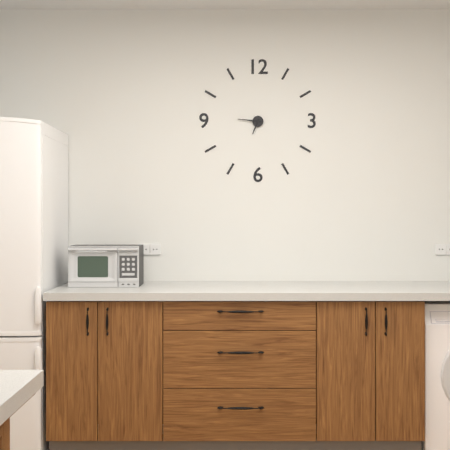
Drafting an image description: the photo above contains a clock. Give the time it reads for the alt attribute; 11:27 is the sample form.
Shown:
6:46
